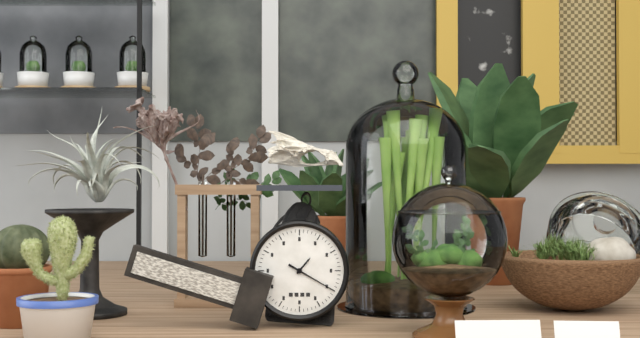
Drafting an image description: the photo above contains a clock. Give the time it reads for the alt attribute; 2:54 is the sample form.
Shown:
1:20
